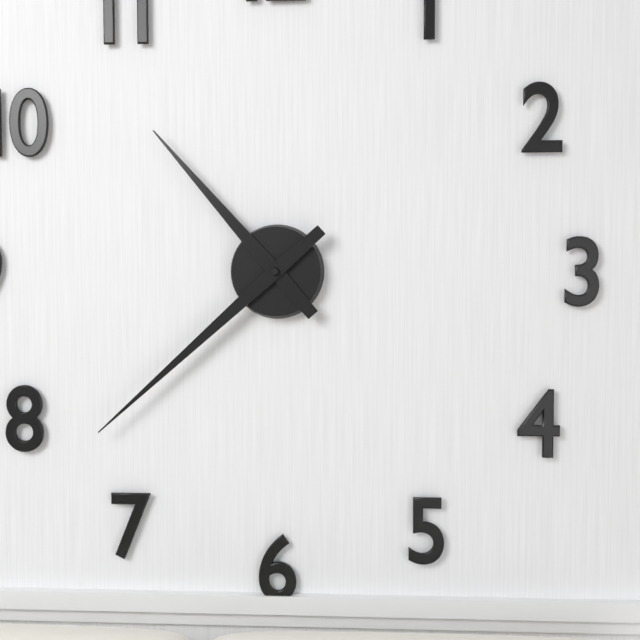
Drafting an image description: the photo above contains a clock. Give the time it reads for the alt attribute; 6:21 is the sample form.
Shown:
10:38
